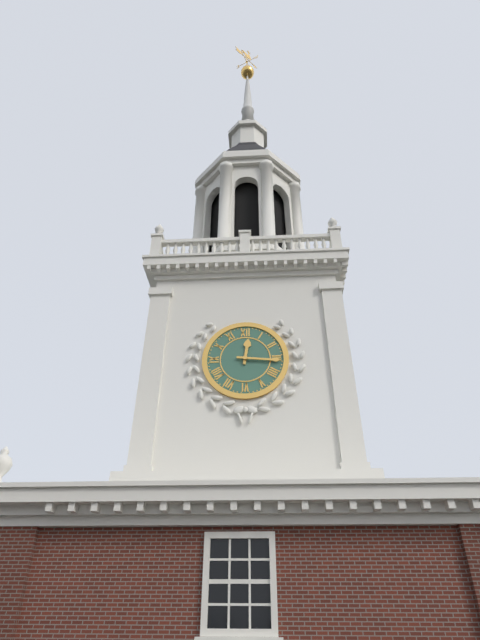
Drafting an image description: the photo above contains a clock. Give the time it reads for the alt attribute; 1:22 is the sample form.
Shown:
12:16
